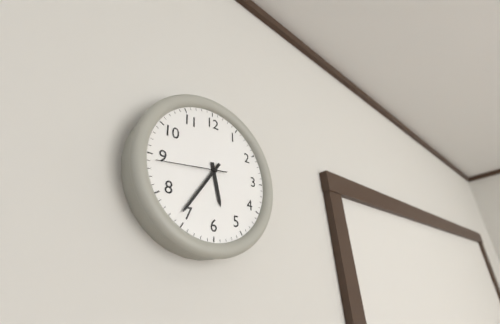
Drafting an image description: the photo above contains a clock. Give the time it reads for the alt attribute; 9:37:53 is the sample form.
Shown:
5:36:44
